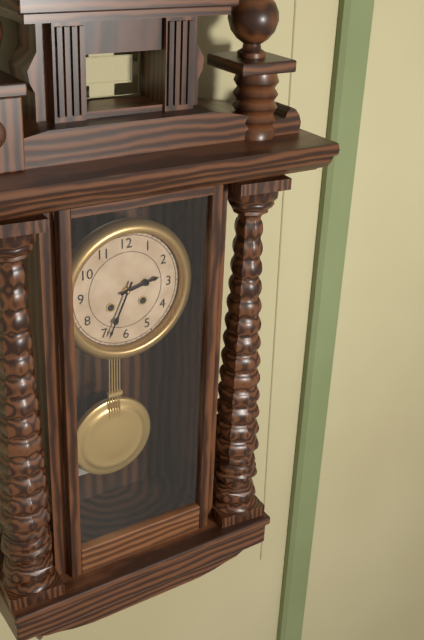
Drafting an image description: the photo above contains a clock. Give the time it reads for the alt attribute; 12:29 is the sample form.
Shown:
2:34
